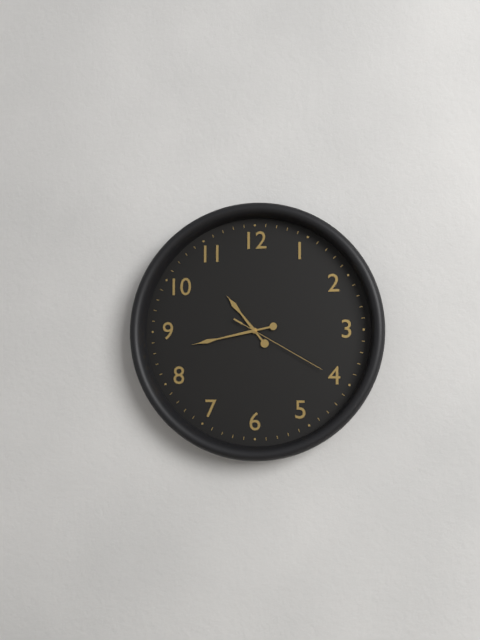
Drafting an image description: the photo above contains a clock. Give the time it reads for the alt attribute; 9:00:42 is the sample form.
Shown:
10:43:20
